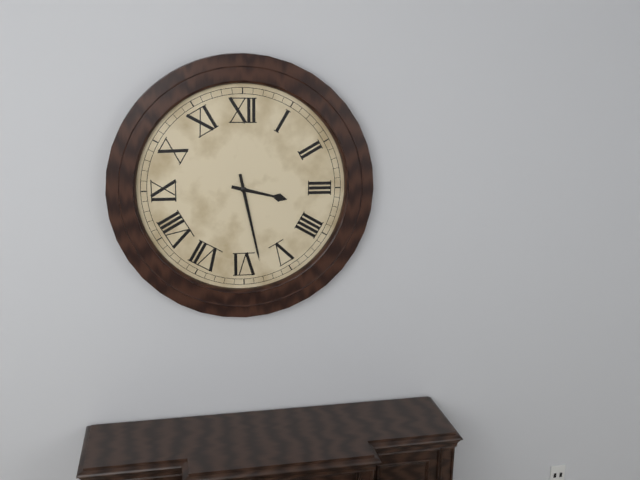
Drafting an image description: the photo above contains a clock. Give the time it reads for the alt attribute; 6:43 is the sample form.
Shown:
3:28
